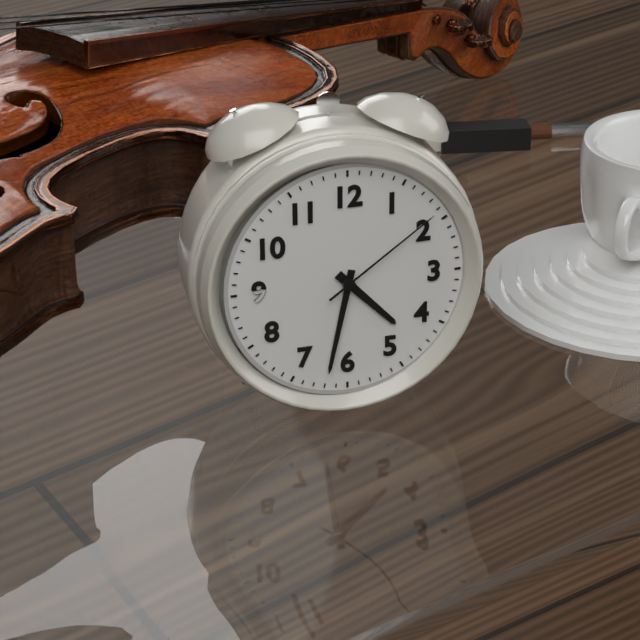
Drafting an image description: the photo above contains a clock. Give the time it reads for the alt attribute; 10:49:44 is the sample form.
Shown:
4:32:09
